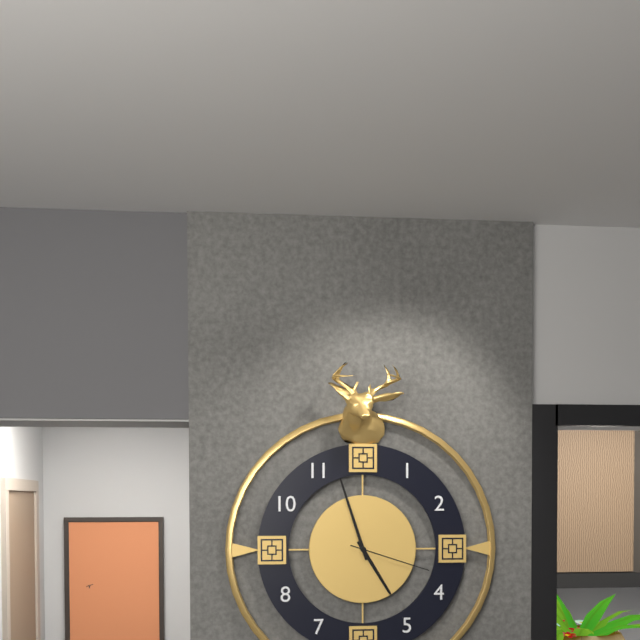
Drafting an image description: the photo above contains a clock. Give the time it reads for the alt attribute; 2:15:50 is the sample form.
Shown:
4:57:18
